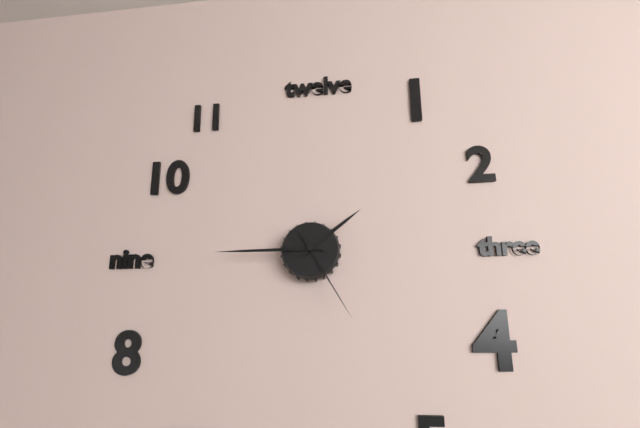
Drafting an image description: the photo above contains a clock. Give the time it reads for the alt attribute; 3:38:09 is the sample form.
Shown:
1:45:25
